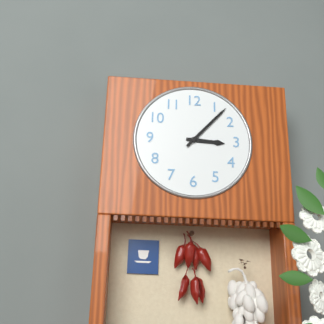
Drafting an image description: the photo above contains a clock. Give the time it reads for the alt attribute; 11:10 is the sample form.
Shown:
3:07
